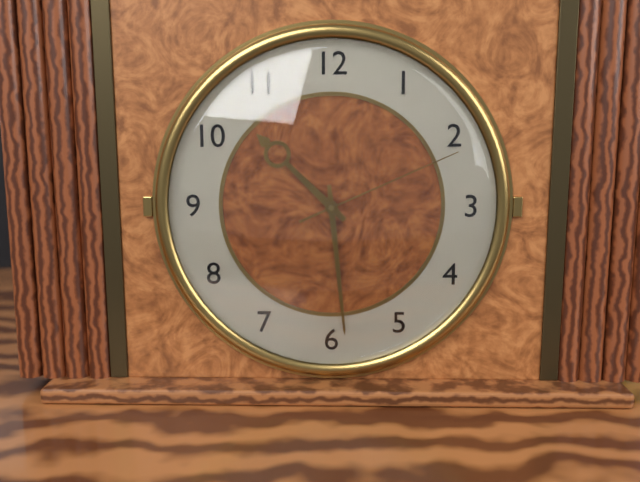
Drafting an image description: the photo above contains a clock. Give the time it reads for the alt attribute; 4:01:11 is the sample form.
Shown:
10:29:11
